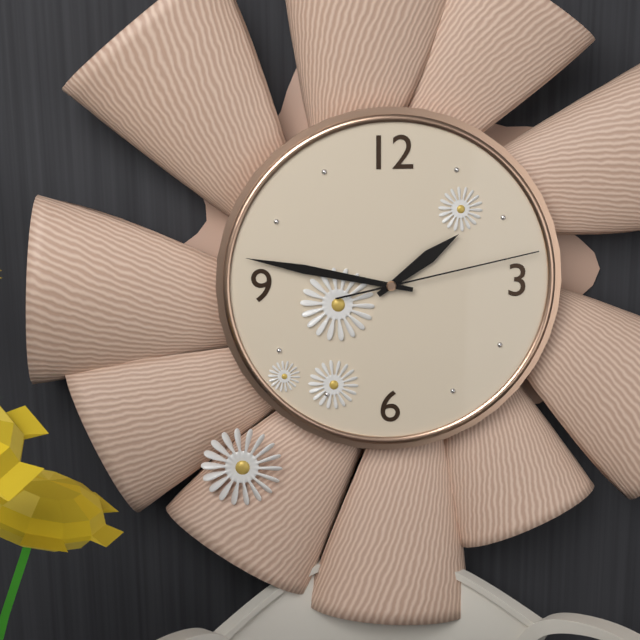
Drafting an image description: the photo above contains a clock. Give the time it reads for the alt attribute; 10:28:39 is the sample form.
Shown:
1:47:13
